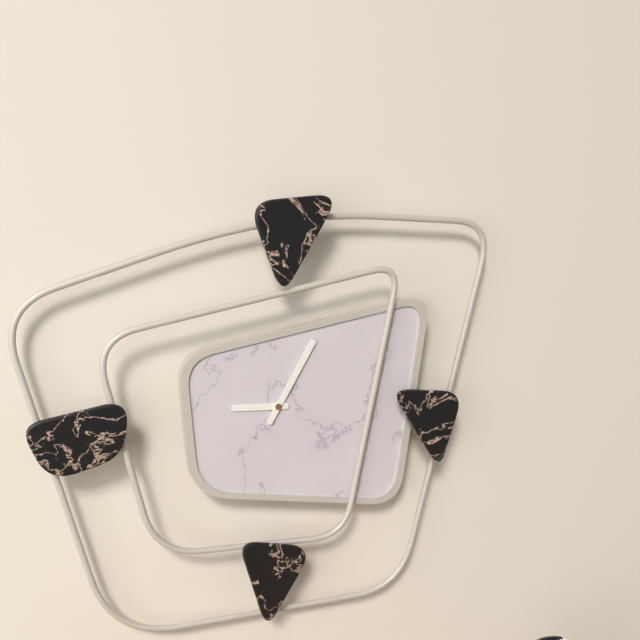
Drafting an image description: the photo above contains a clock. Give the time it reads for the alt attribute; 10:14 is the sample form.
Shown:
9:05
